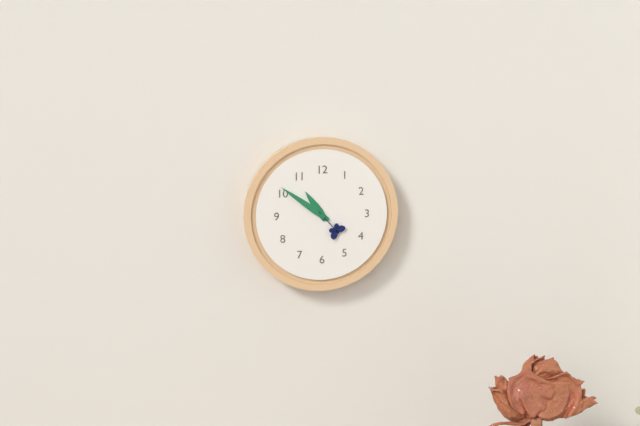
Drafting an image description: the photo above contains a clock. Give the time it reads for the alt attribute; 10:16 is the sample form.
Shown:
10:51
